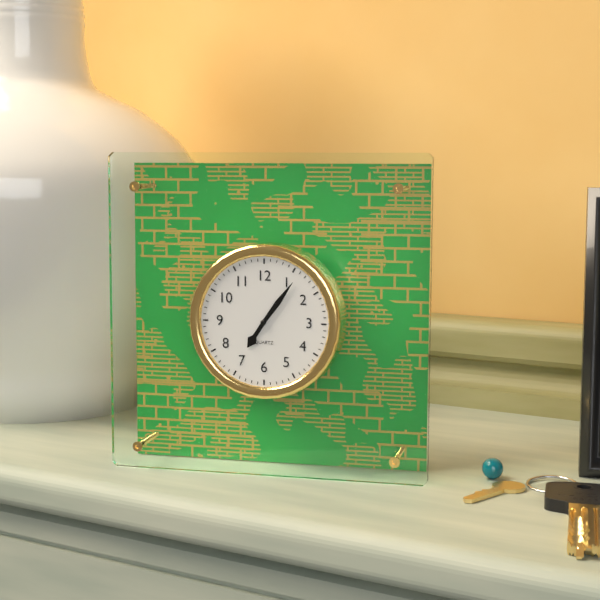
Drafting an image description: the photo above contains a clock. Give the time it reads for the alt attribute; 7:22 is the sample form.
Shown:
7:06
